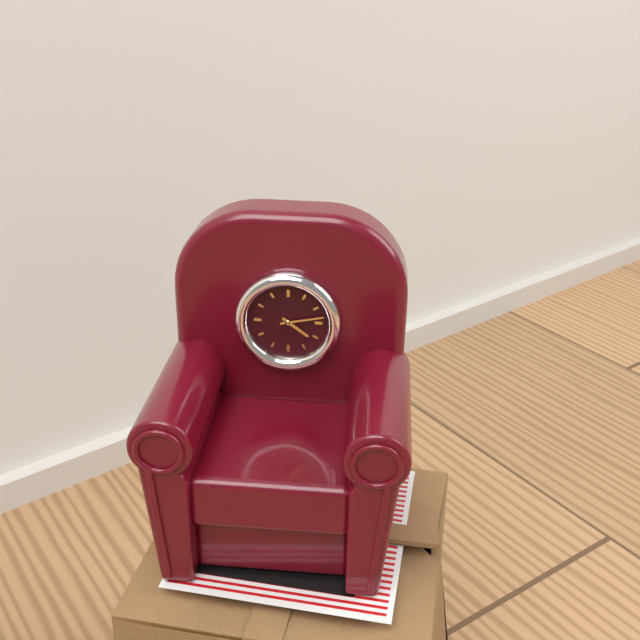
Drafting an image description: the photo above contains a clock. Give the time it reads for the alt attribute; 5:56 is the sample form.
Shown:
4:13
